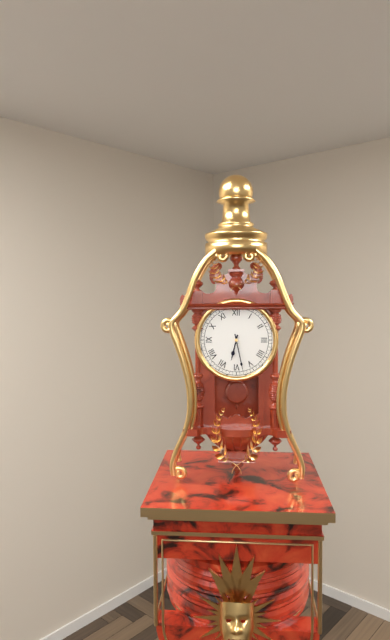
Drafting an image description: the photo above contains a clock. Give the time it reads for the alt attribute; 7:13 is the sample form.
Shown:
6:28
